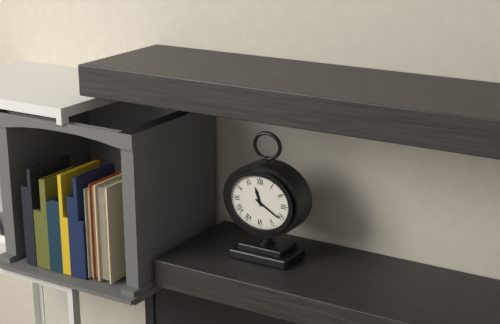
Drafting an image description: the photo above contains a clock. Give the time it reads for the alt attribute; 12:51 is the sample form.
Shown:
11:20
